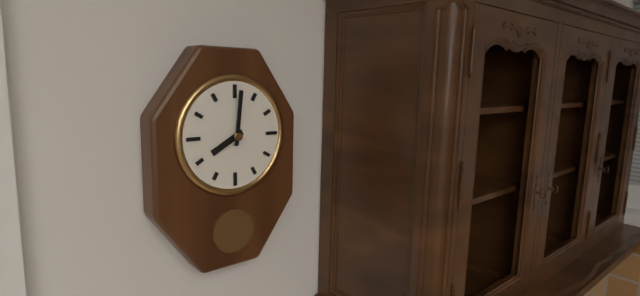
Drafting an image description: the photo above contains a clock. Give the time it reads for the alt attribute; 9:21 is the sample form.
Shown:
8:01
